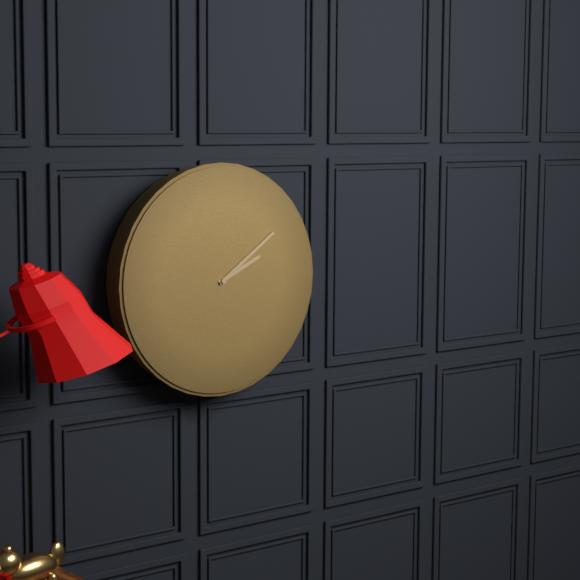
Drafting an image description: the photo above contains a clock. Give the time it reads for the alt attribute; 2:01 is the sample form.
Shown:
2:09
